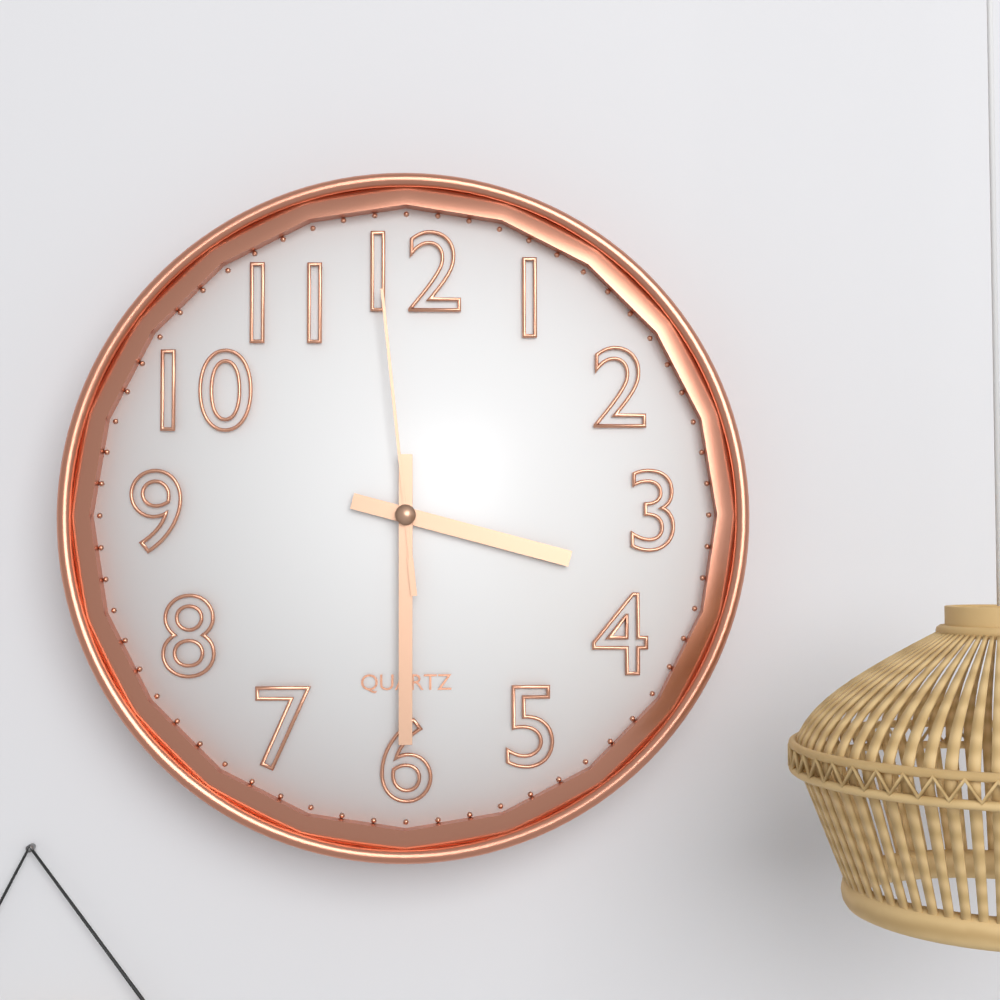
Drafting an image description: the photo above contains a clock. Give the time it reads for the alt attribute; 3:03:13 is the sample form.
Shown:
3:30:59
